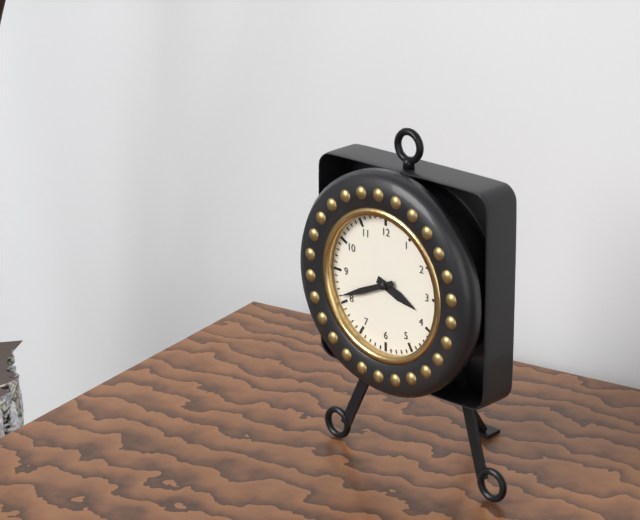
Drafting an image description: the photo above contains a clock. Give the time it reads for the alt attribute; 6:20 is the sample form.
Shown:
3:41
